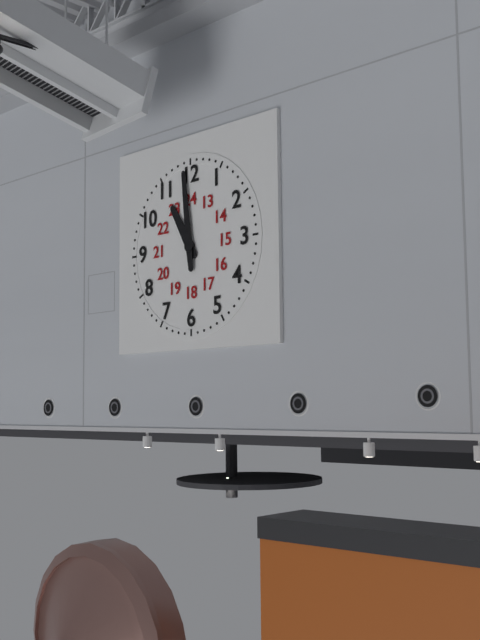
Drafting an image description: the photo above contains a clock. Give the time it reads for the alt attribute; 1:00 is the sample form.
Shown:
10:59
